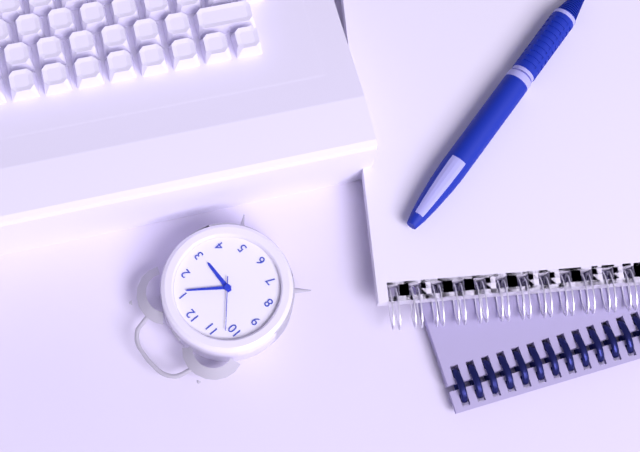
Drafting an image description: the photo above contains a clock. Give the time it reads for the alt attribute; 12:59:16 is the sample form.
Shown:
3:06:52
